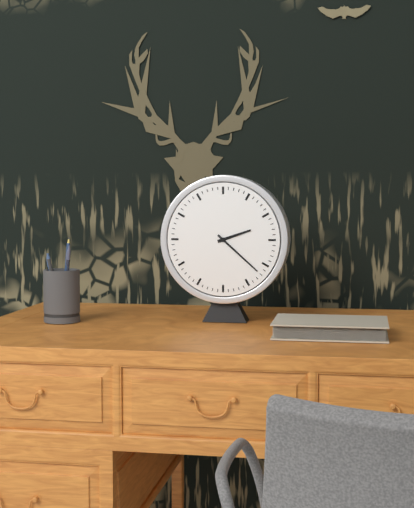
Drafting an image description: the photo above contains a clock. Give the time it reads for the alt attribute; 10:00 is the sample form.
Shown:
2:22
